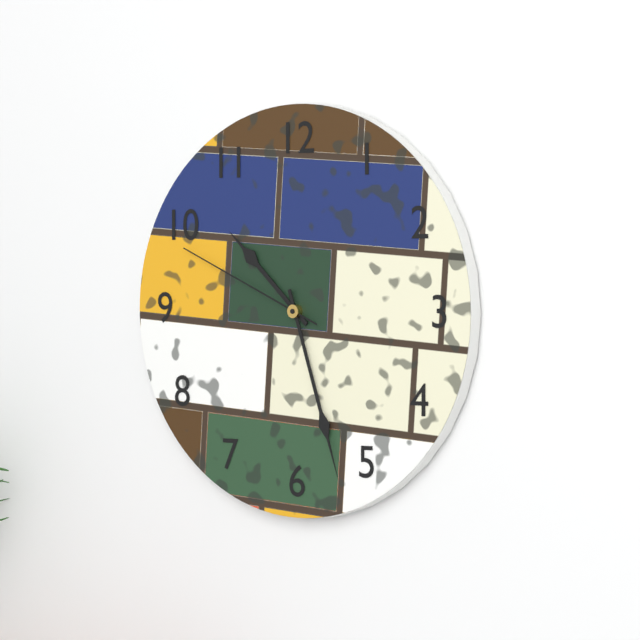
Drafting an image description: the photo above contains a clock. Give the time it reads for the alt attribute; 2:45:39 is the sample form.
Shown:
10:27:49
